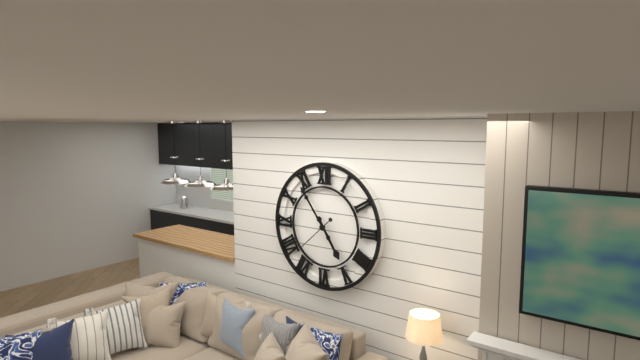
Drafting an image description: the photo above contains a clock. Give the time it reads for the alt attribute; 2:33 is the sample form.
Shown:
4:54
